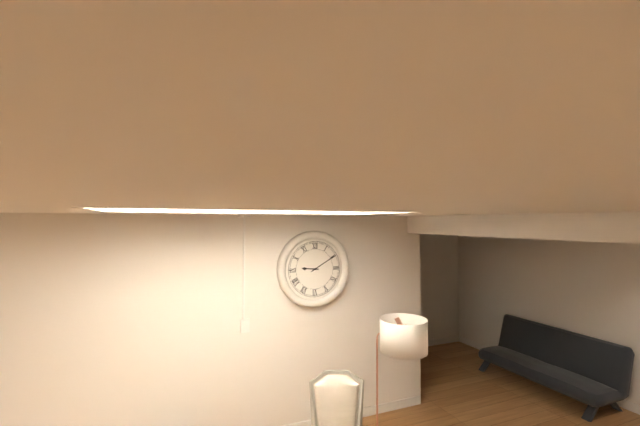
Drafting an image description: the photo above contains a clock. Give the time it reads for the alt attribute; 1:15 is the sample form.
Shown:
9:10
